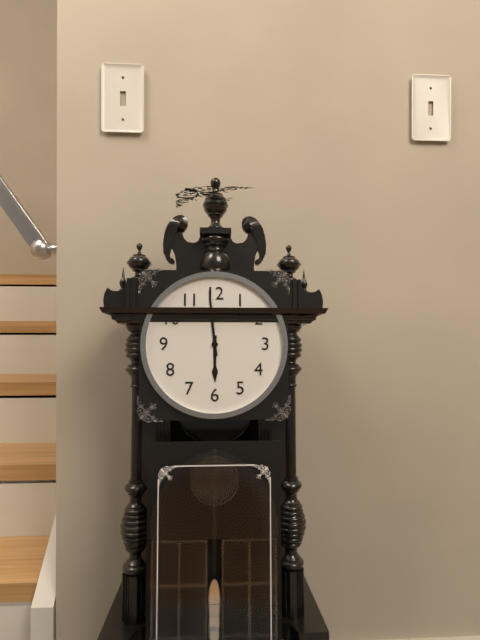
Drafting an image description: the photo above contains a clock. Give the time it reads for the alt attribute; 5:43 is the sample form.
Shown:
5:59
